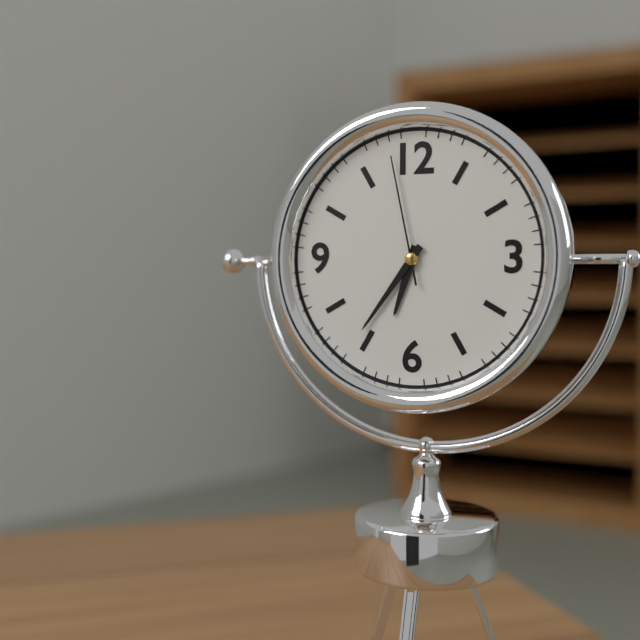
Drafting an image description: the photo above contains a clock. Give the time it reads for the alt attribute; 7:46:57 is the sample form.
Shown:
6:36:58
